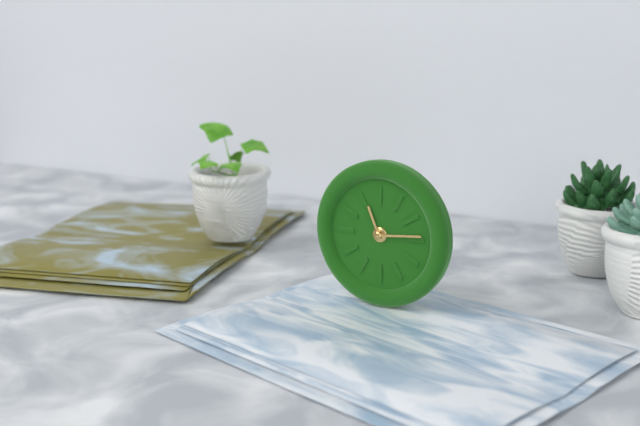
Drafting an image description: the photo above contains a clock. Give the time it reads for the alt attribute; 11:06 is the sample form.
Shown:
11:14
